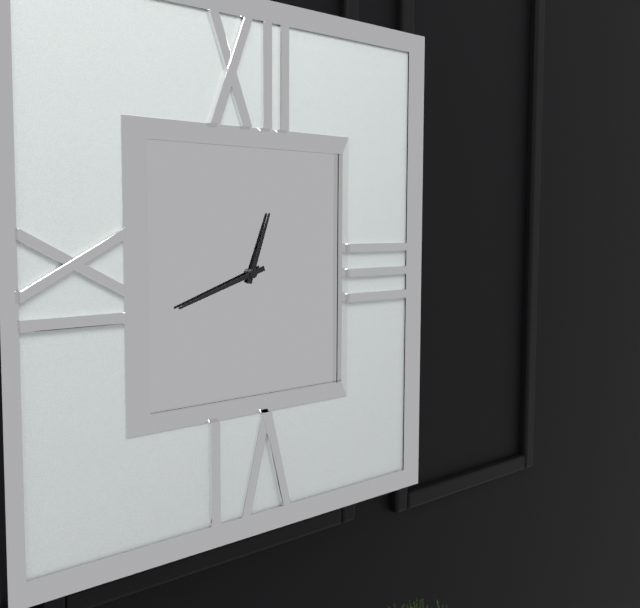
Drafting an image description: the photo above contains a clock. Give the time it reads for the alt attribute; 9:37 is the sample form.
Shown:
12:42
